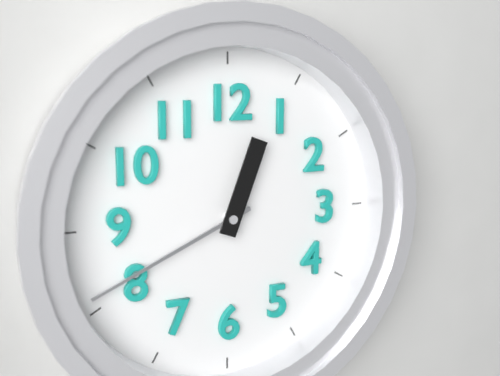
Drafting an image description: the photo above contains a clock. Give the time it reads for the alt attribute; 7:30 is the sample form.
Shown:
12:41
